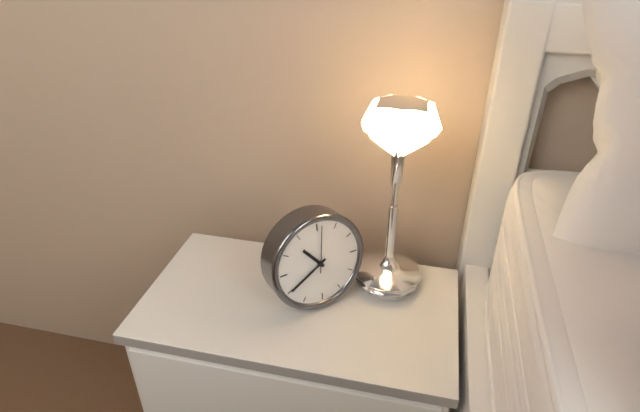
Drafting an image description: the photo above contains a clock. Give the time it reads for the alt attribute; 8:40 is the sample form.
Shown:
10:40
